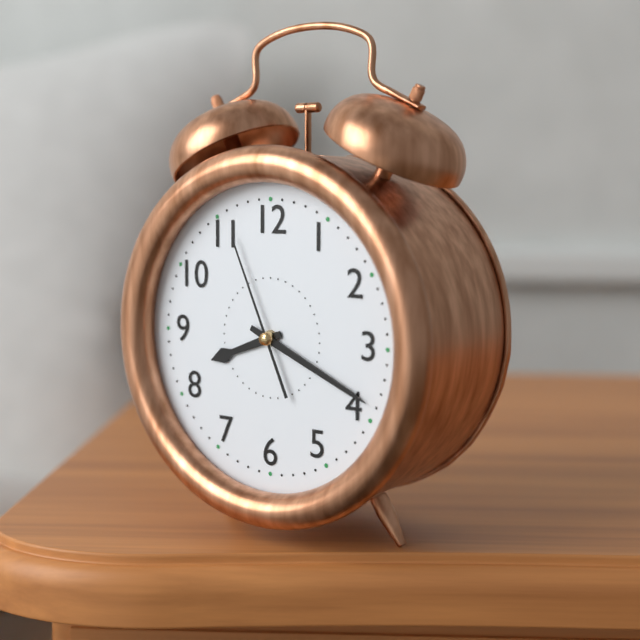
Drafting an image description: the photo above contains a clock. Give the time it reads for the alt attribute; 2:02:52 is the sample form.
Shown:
8:19:56
